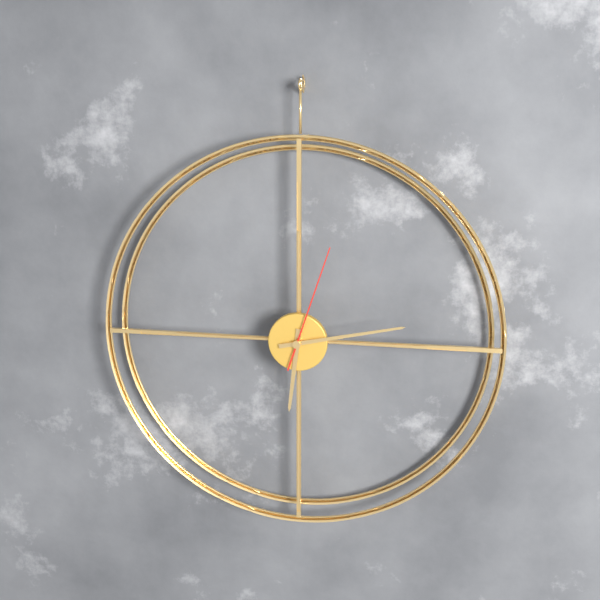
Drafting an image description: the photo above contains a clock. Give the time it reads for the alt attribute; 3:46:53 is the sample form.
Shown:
6:13:03
